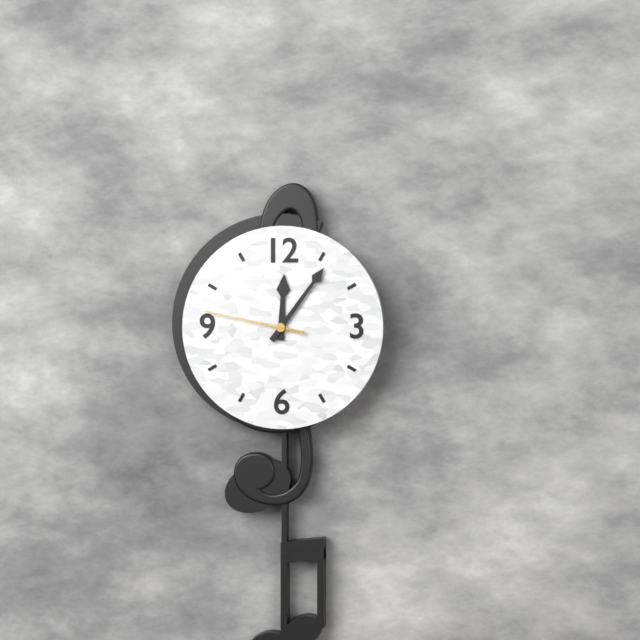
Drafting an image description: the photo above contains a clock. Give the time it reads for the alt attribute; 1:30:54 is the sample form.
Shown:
12:06:47
